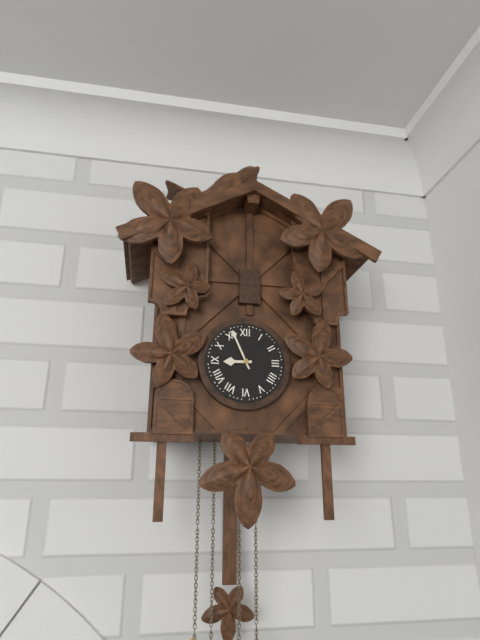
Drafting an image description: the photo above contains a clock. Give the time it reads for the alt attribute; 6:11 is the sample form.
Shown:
8:56
